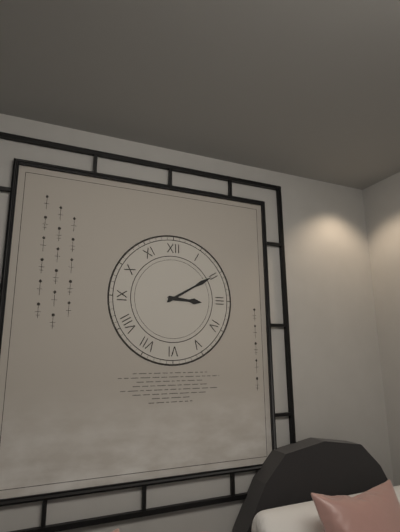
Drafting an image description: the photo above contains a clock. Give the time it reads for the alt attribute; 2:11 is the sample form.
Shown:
3:10
